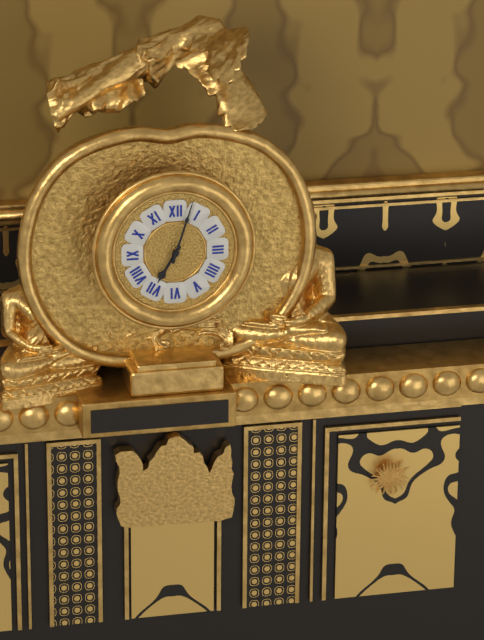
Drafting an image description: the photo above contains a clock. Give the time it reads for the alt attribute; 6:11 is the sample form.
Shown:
7:03
